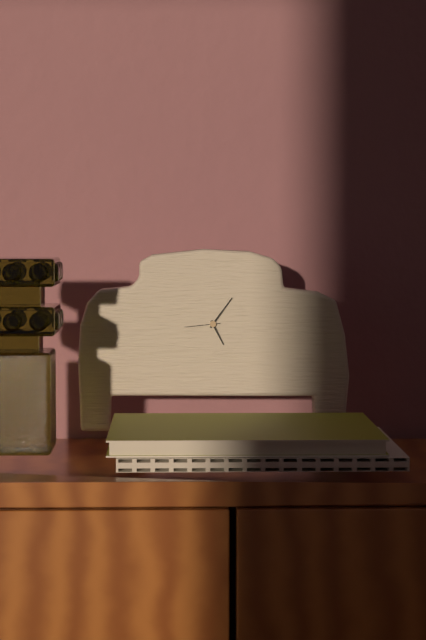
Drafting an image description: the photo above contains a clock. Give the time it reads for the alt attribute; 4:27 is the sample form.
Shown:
5:06
